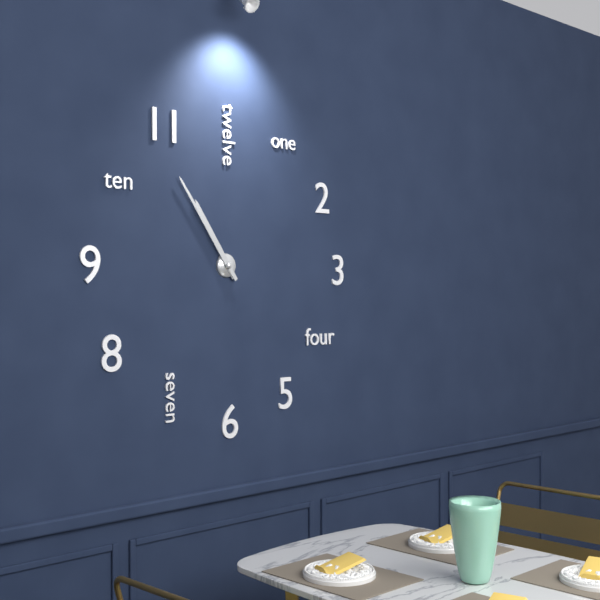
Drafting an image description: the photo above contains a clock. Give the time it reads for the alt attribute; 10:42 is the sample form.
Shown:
10:54
